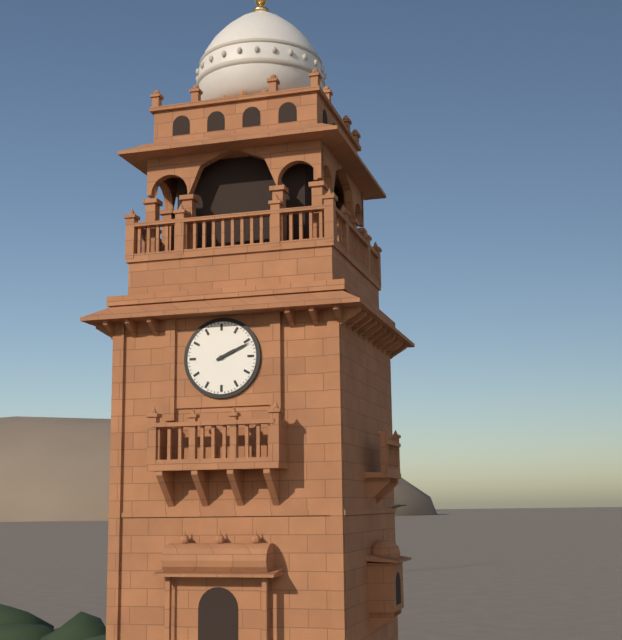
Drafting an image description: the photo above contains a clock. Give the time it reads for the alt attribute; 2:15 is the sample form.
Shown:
2:11
